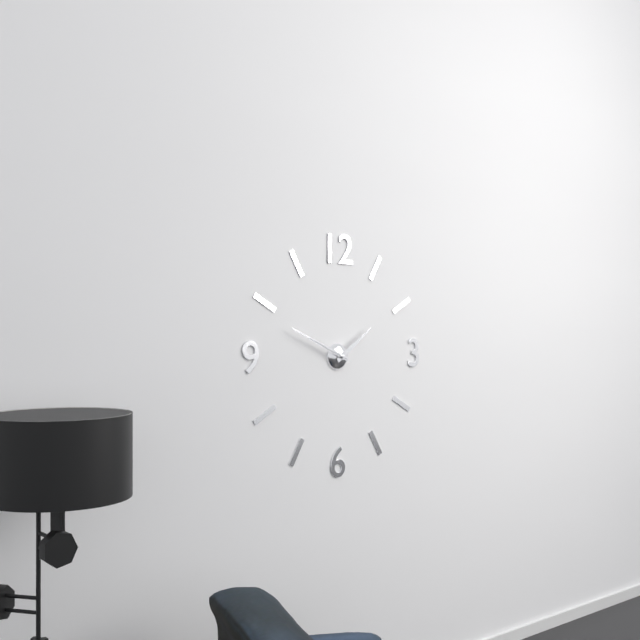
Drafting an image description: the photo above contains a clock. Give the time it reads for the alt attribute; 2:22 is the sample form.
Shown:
1:49
